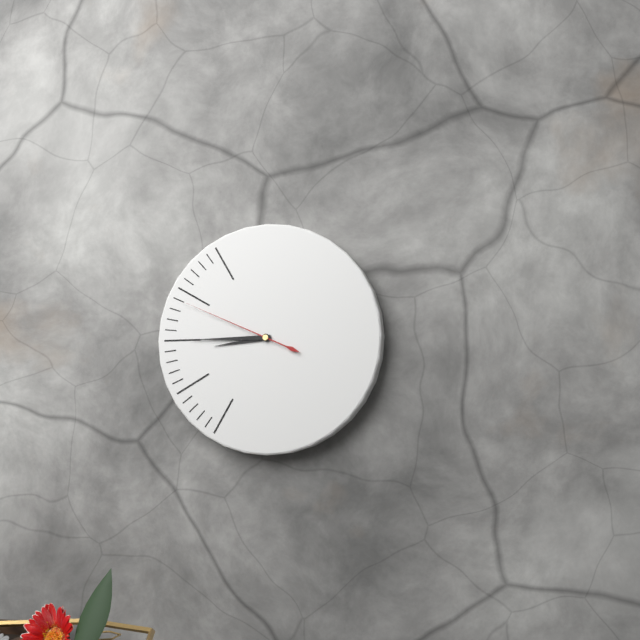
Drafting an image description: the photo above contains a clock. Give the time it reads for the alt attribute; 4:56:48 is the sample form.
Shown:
8:45:49
